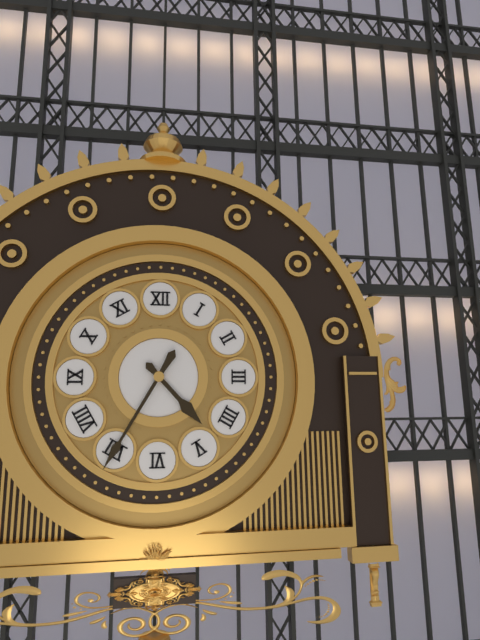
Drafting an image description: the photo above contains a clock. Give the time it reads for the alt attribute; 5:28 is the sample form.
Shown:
4:35
